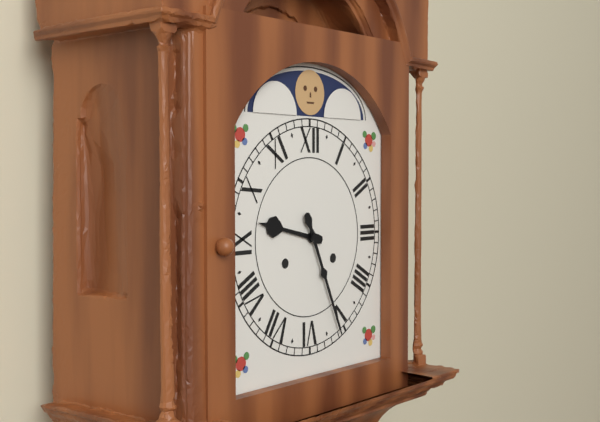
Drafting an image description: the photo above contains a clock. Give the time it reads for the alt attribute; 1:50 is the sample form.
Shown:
9:26
